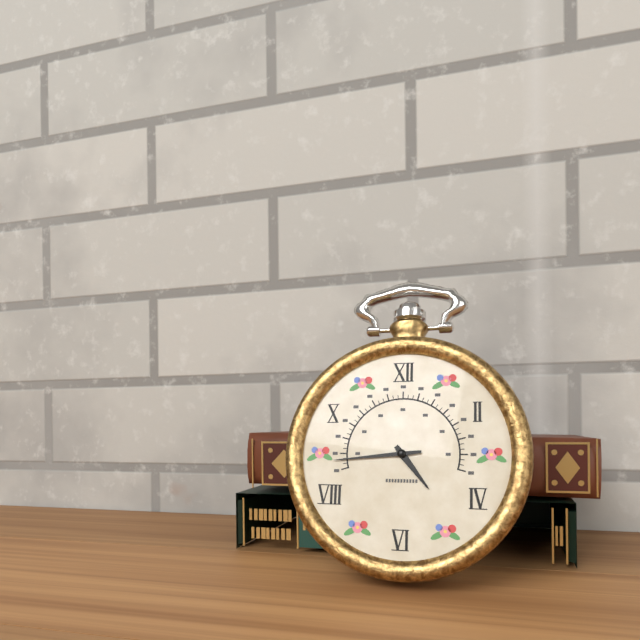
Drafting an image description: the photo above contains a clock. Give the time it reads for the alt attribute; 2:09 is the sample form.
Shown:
4:44
